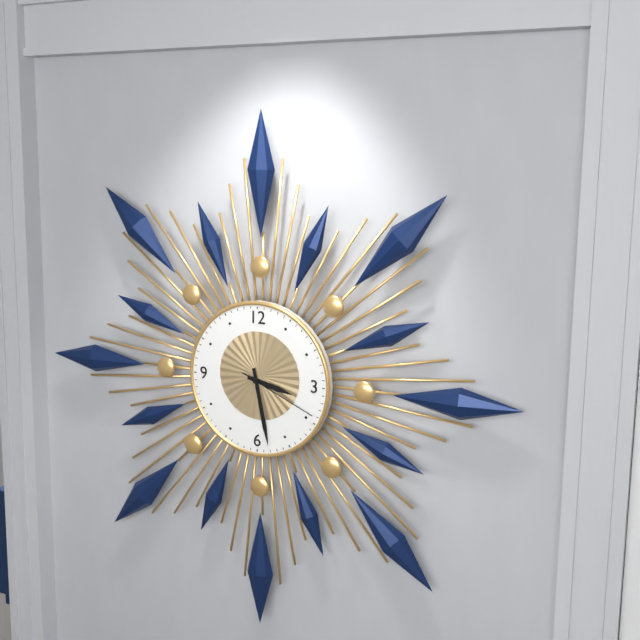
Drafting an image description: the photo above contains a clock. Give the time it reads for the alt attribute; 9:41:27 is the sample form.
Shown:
3:28:19
